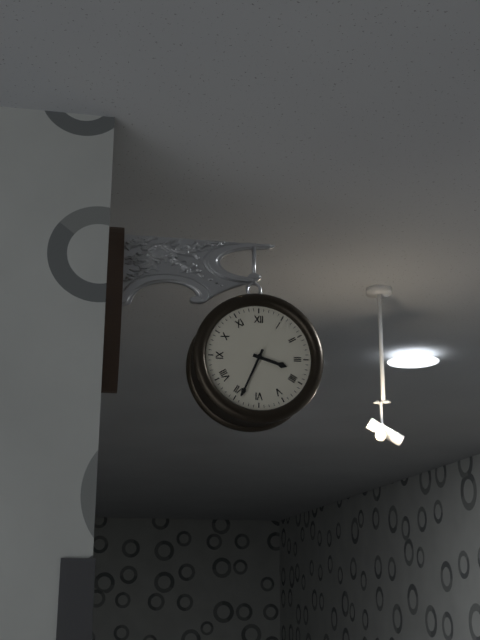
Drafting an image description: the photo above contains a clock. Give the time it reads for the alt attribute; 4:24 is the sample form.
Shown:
3:34
